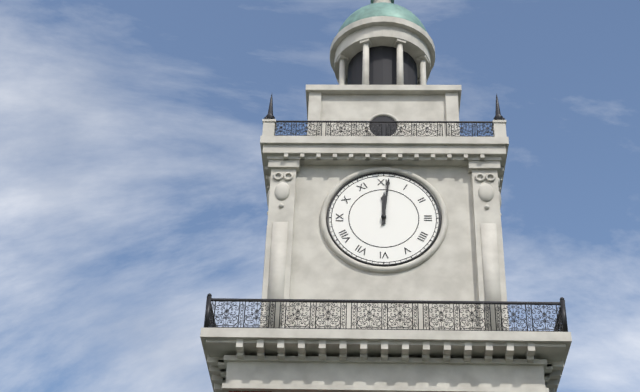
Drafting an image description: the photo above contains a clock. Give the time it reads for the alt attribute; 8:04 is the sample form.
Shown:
12:01
